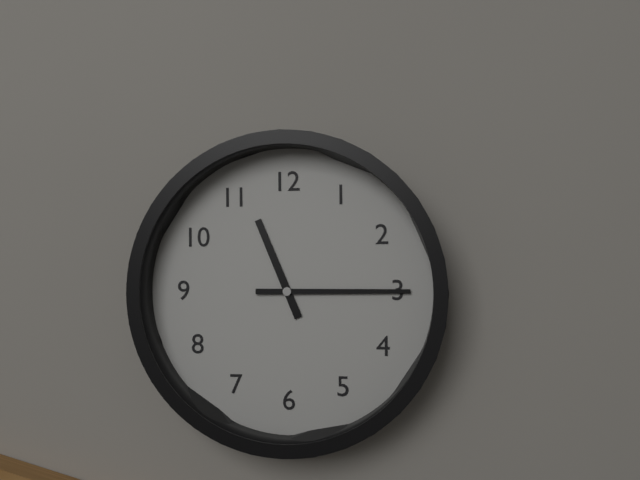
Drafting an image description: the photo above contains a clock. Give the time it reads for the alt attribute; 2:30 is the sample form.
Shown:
11:15
